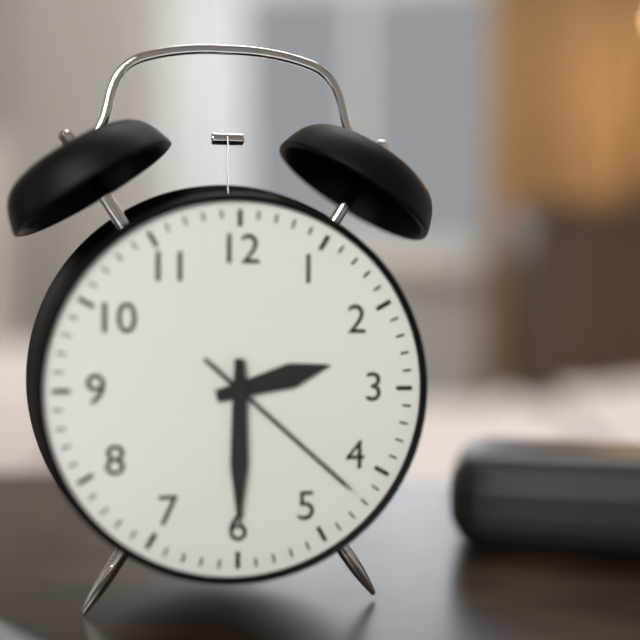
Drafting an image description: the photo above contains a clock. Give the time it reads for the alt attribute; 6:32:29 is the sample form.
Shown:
2:30:22
